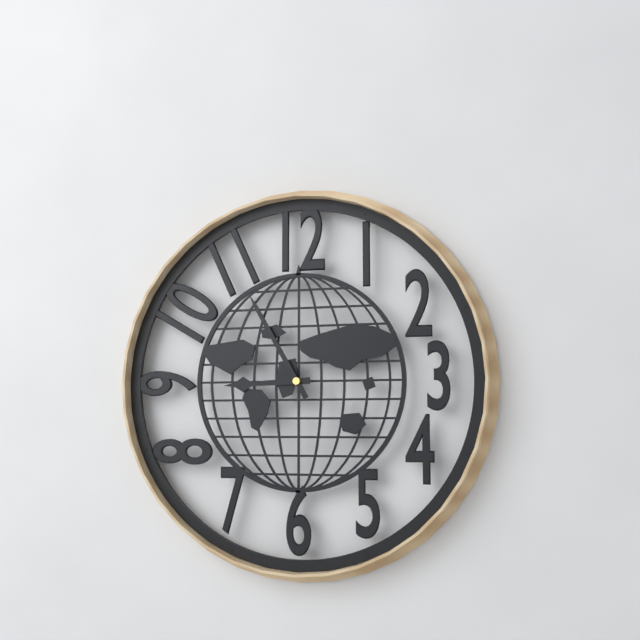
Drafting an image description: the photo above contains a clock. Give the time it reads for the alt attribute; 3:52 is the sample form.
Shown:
8:55
